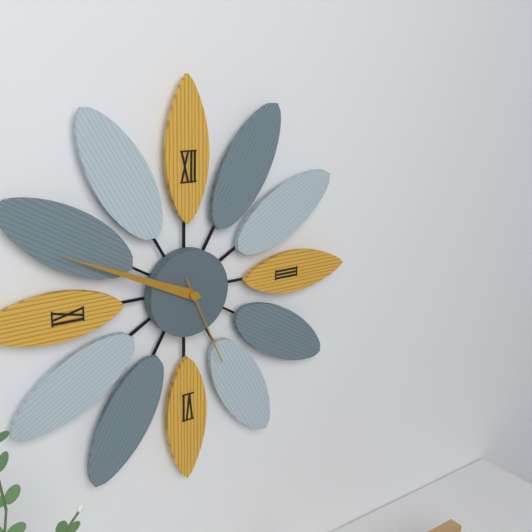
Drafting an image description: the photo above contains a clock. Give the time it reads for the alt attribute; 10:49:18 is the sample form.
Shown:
9:49:26
